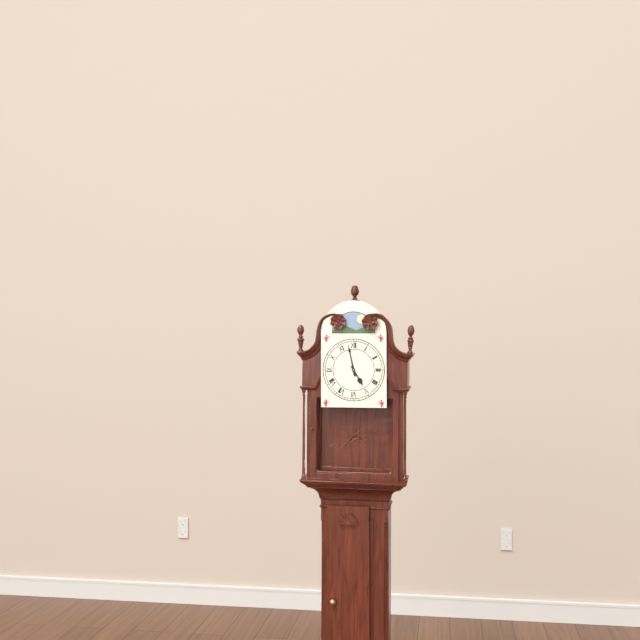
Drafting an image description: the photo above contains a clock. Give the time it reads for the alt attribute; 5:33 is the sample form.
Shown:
4:58
